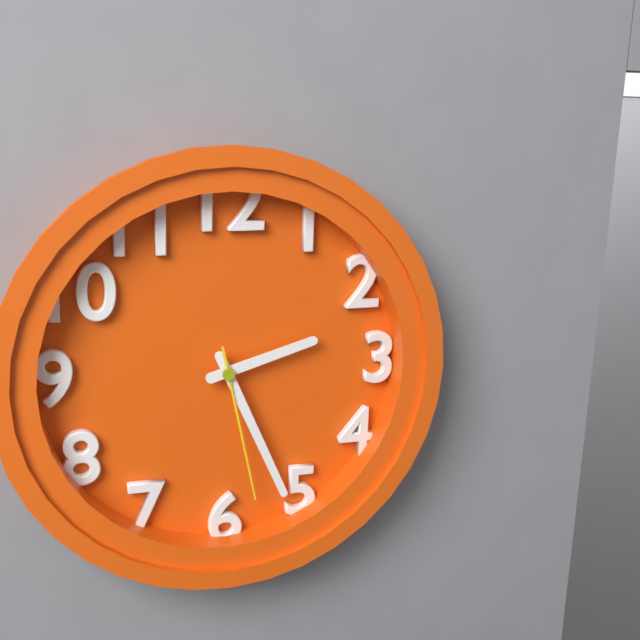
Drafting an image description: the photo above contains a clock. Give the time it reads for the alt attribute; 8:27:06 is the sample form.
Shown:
2:26:28
